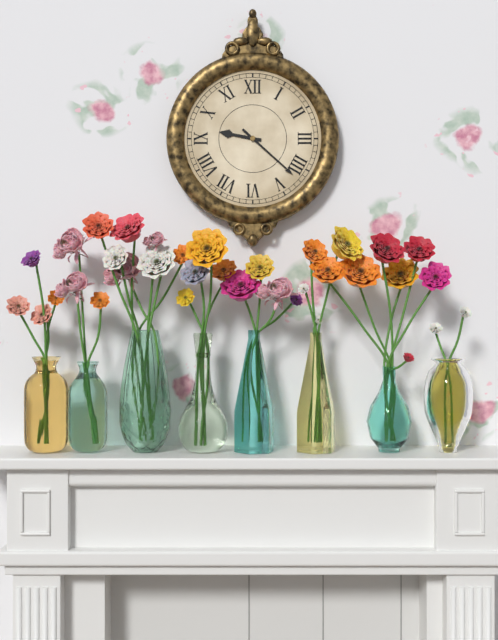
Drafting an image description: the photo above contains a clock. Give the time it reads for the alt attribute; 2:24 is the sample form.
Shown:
9:22
